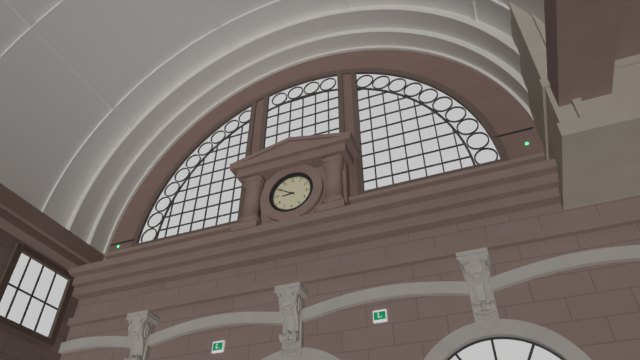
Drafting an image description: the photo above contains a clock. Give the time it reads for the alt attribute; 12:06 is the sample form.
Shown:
8:50
